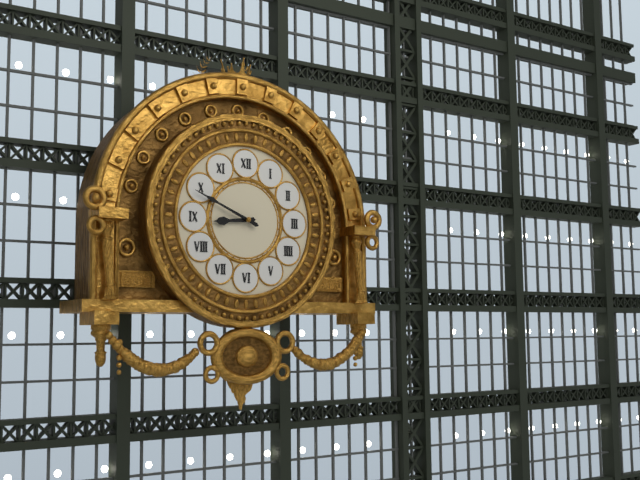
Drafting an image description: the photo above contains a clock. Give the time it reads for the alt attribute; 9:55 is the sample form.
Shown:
8:49
